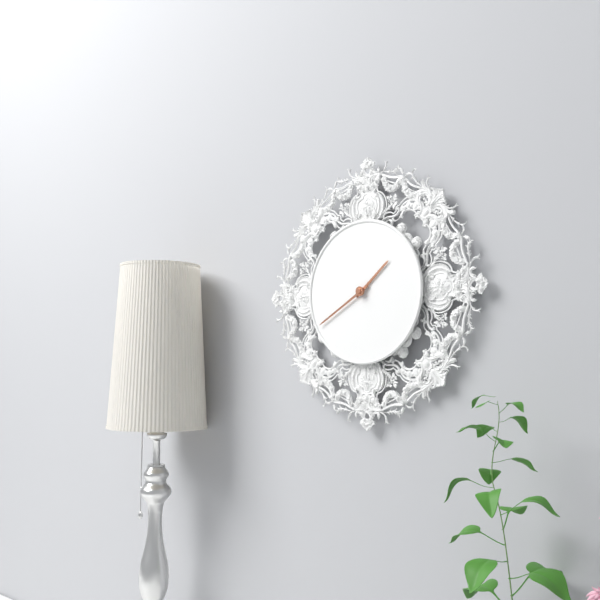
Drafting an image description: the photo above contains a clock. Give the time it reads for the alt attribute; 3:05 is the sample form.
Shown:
1:40
